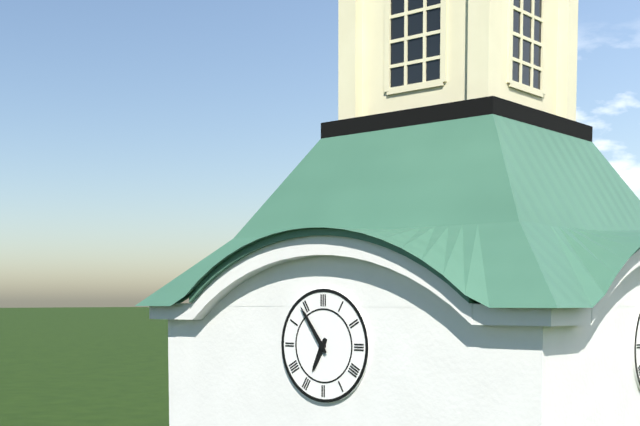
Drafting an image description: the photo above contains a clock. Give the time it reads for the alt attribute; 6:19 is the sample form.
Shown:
6:54
